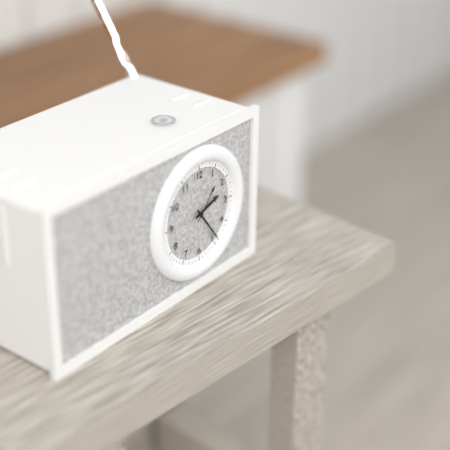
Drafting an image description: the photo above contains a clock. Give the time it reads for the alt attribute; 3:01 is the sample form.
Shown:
2:24
